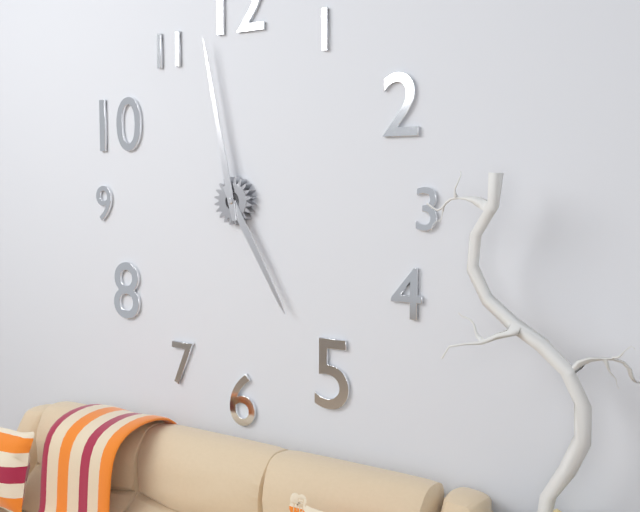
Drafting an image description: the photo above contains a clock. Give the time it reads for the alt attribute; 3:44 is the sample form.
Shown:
4:58
